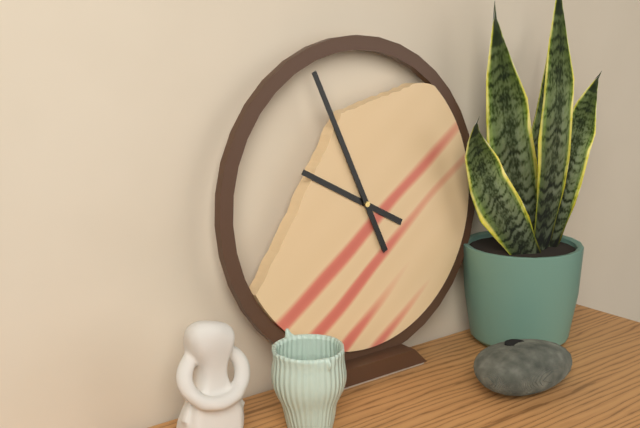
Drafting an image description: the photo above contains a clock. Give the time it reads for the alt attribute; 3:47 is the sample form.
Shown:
9:56
